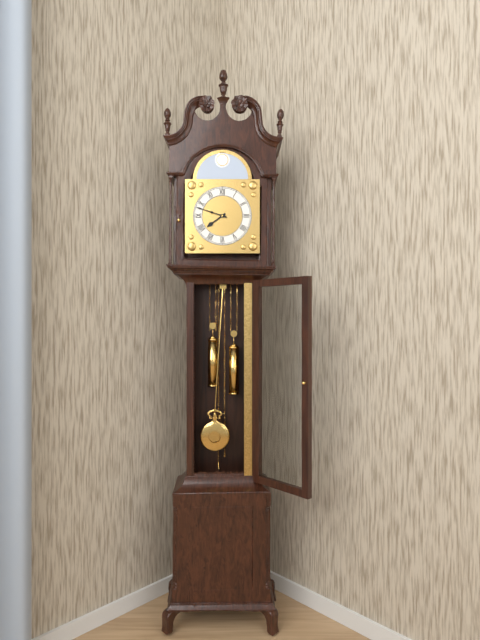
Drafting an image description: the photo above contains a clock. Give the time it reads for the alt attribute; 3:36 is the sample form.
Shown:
7:48
